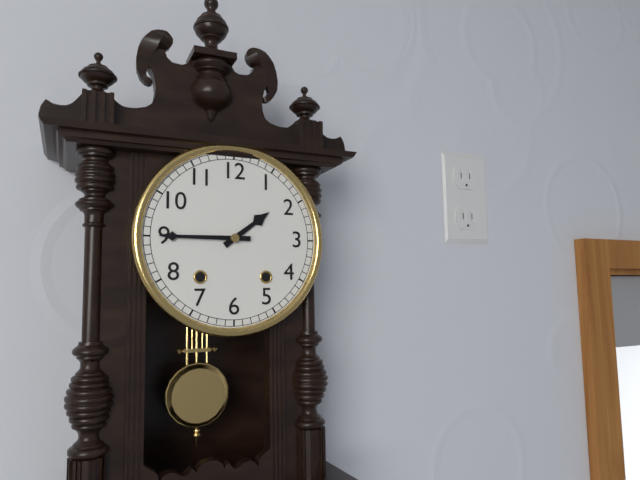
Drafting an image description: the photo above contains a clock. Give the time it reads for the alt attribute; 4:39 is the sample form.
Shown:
1:45
